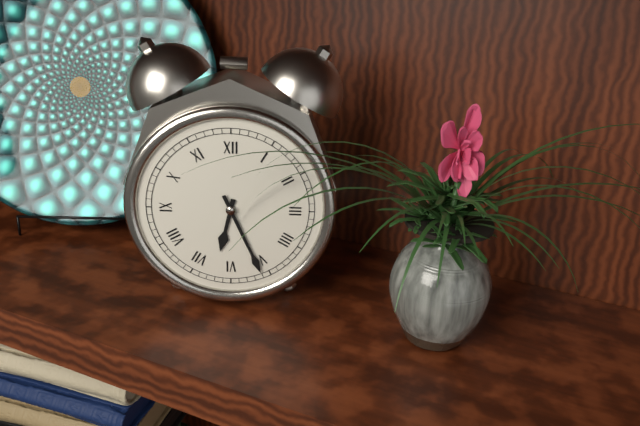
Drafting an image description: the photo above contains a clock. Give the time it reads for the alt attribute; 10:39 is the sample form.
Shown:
6:26
